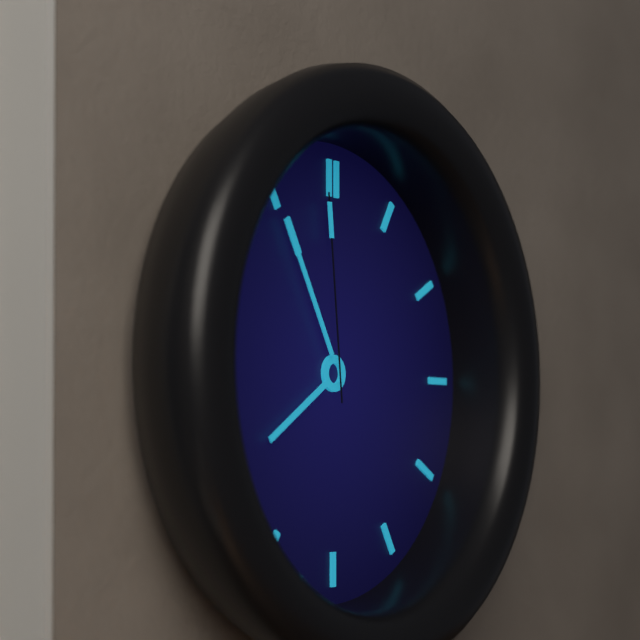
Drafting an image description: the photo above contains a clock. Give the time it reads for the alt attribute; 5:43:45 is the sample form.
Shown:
7:55:59
